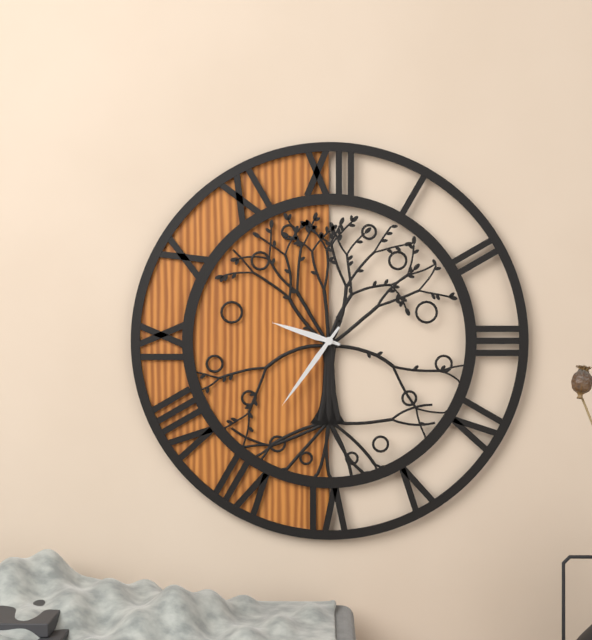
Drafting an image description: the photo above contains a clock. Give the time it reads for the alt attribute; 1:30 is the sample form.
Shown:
9:36
